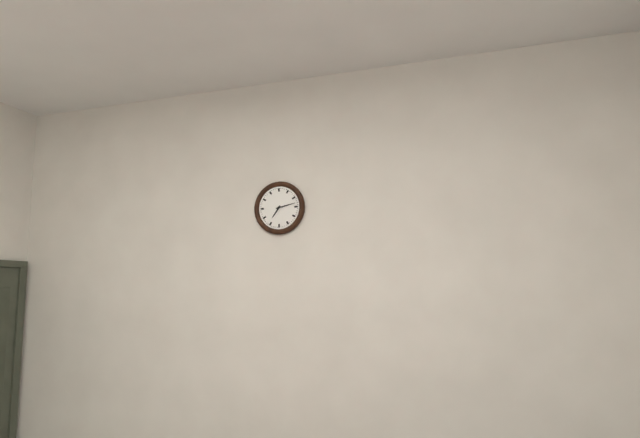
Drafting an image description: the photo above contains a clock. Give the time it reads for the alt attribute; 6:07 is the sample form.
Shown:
7:13
